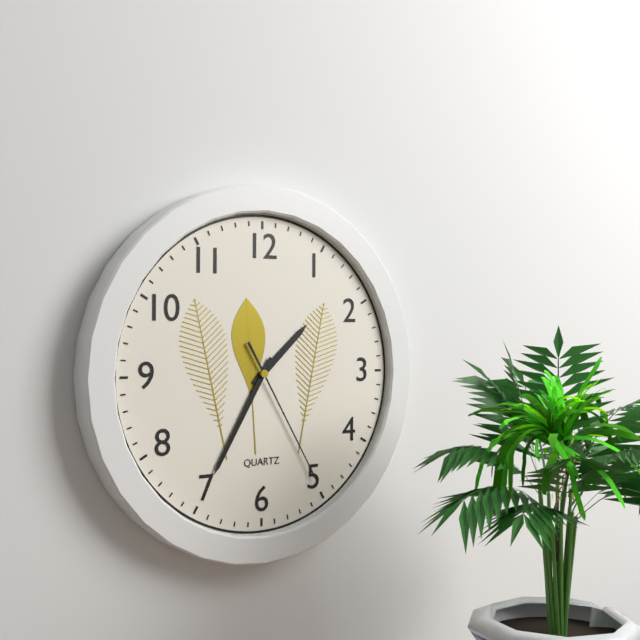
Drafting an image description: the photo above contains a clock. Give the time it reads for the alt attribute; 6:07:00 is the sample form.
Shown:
1:35:25
